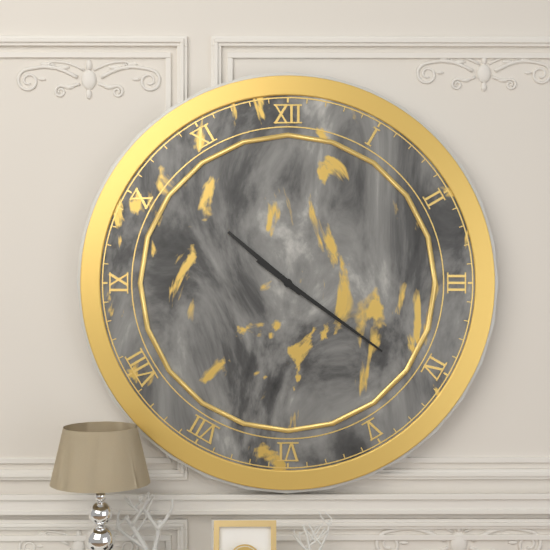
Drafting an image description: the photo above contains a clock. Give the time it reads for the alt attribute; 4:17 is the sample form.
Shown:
10:21
